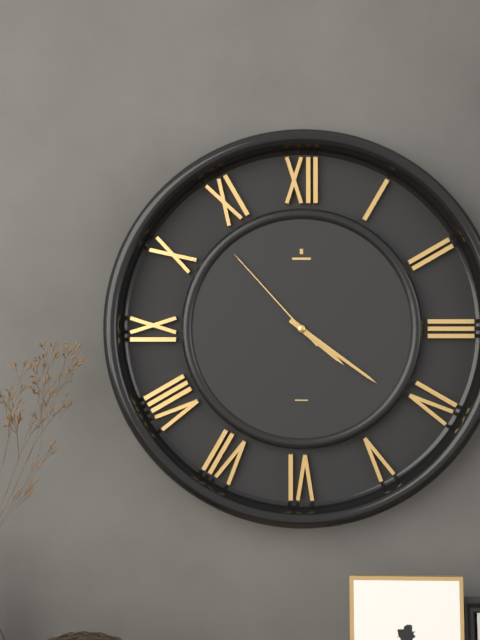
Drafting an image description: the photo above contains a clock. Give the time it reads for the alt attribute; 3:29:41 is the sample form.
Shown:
4:21:53
